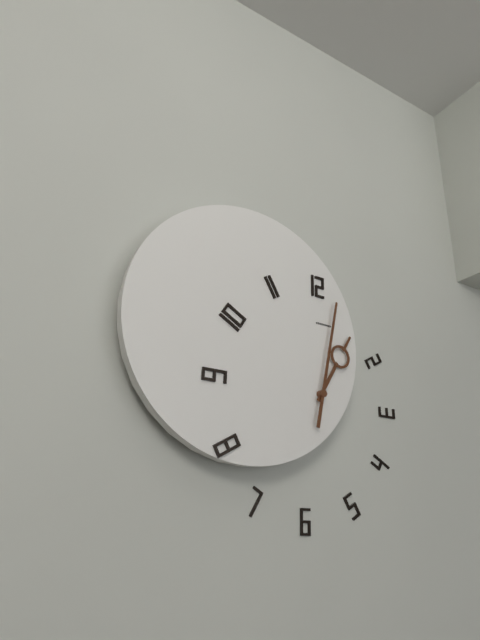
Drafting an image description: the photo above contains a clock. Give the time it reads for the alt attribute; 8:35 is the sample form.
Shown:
1:02
